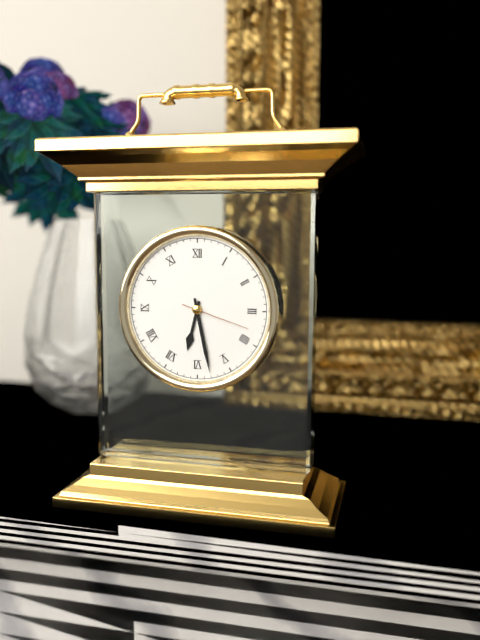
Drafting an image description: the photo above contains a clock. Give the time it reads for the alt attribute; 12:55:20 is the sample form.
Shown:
6:28:18
